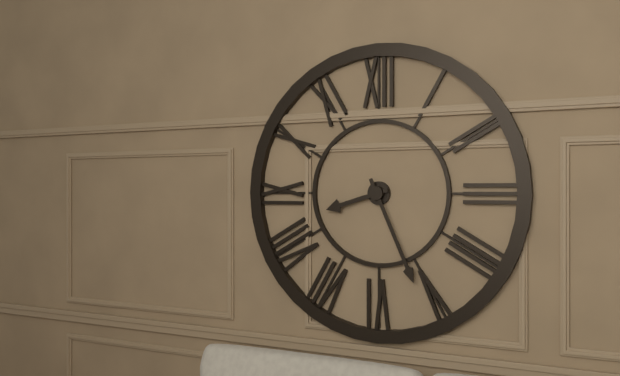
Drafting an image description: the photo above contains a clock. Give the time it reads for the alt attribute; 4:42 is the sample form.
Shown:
8:26
